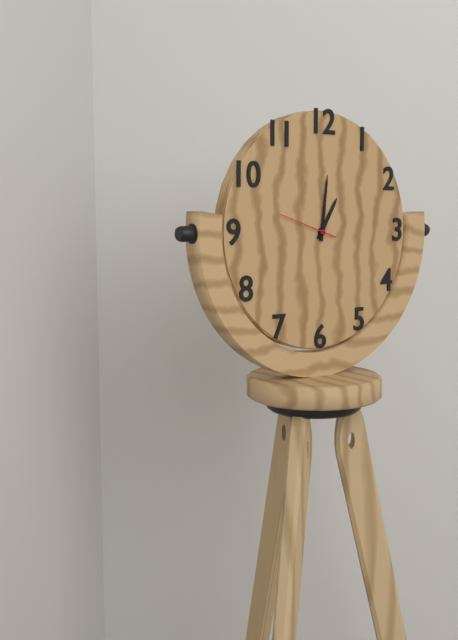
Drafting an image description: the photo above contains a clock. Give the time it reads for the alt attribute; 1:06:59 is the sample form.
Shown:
1:01:48
